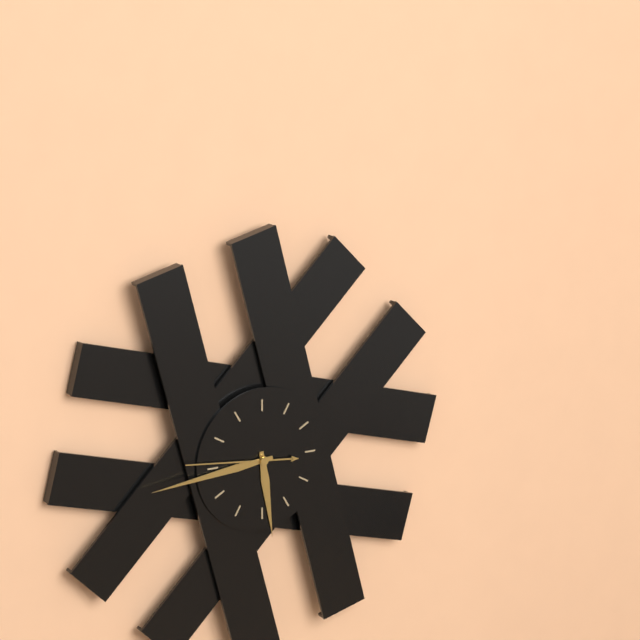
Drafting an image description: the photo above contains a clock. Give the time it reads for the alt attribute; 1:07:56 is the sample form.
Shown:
5:44:46
